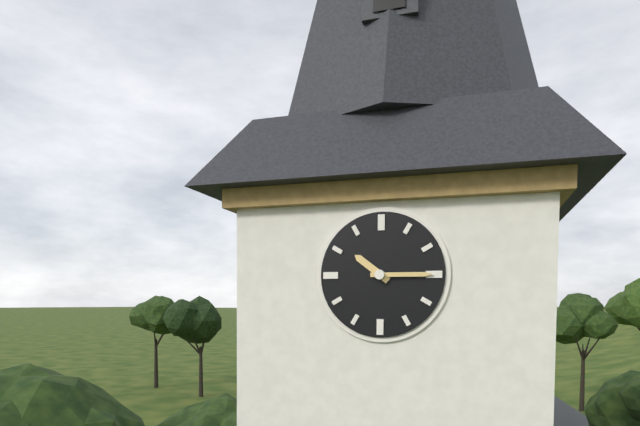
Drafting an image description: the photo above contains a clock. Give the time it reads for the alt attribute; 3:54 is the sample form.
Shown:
10:15
